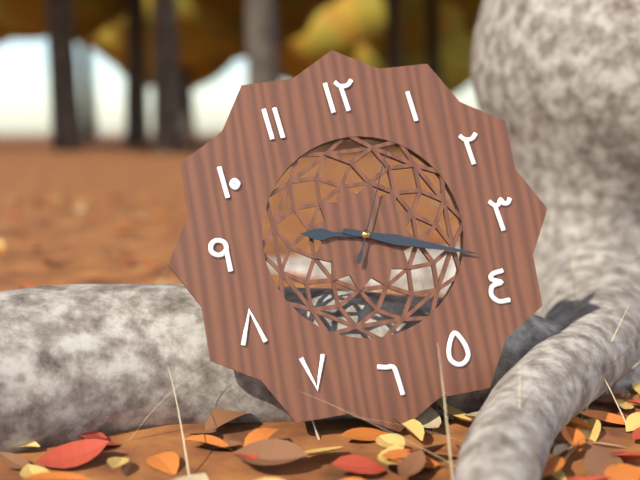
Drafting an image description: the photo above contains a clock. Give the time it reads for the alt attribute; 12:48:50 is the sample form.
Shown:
9:18:04
